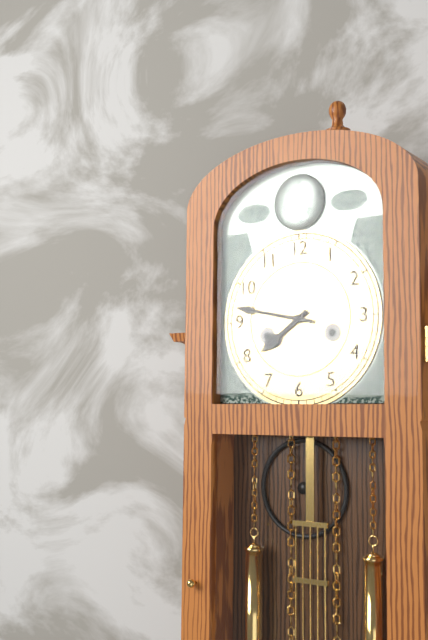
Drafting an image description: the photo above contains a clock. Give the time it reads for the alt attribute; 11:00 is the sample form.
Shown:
7:47
